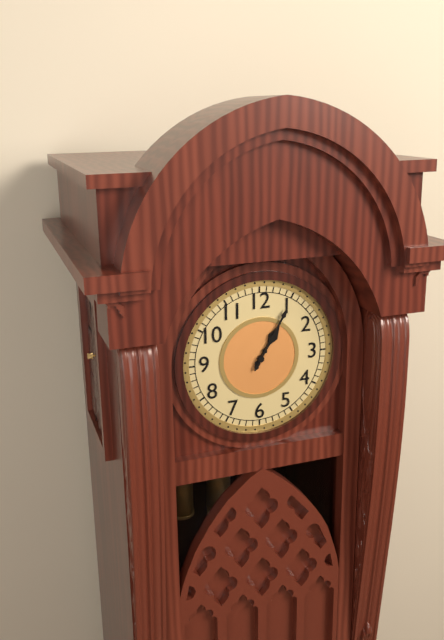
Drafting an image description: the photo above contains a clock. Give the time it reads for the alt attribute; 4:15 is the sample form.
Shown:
1:05
